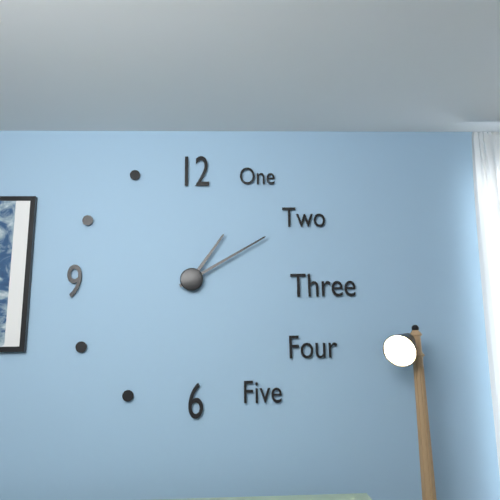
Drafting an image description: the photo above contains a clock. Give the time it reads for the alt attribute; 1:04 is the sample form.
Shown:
1:10
